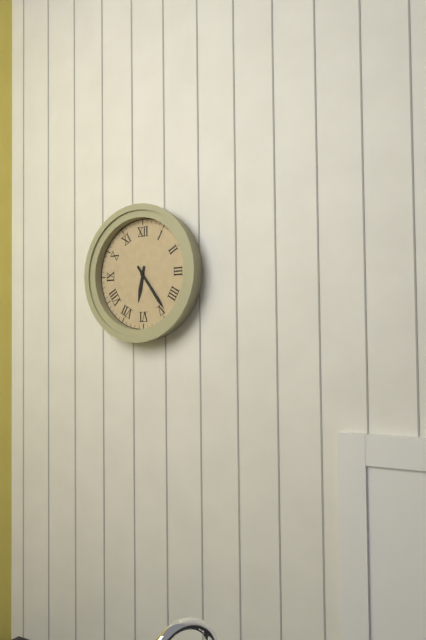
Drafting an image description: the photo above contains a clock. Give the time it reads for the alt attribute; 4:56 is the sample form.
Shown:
6:24
